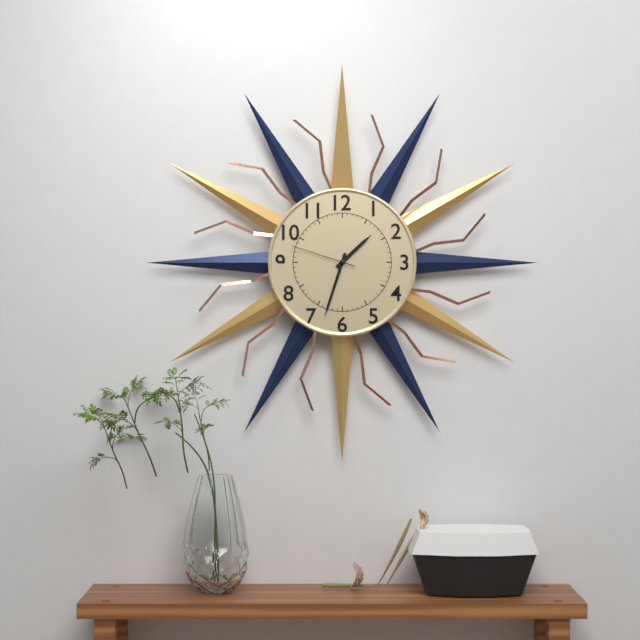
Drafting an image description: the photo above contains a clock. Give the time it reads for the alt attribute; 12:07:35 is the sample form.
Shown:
1:33:48
